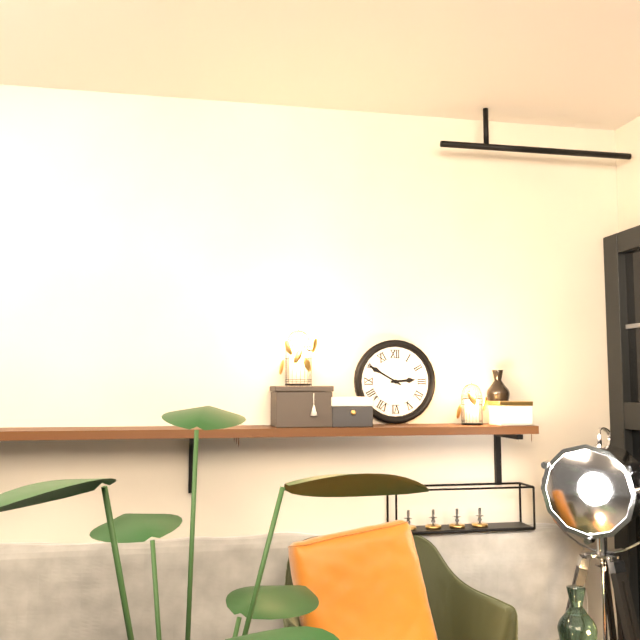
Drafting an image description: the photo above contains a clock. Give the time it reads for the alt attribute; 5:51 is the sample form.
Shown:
2:50
